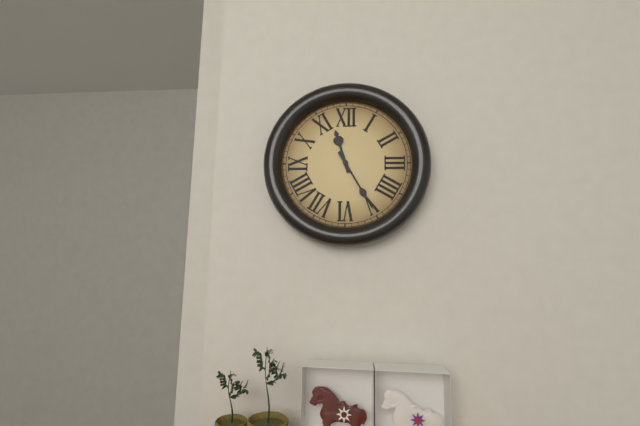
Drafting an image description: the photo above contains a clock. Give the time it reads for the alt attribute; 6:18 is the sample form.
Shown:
11:25
